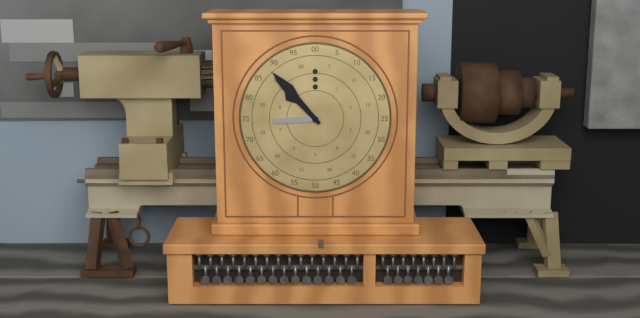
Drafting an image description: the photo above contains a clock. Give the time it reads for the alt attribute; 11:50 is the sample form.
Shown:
8:53
